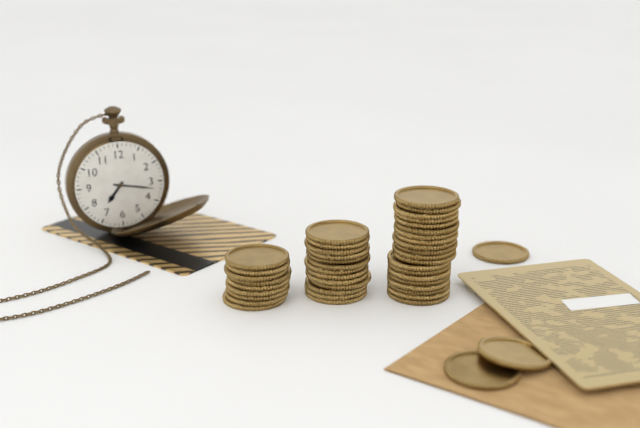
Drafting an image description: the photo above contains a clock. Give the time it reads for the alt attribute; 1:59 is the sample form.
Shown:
7:17
